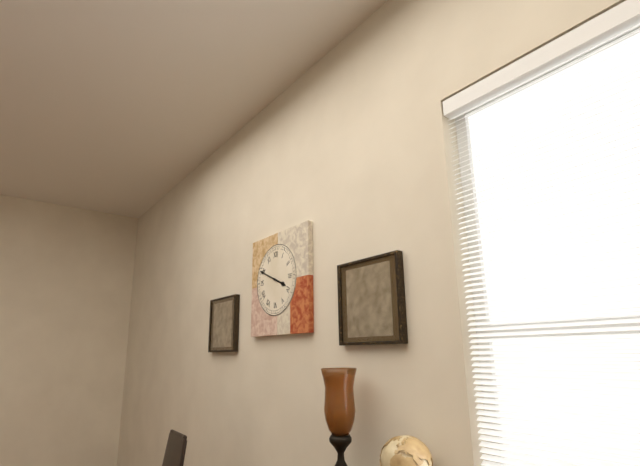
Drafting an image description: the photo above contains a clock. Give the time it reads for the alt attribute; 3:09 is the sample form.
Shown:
3:49
